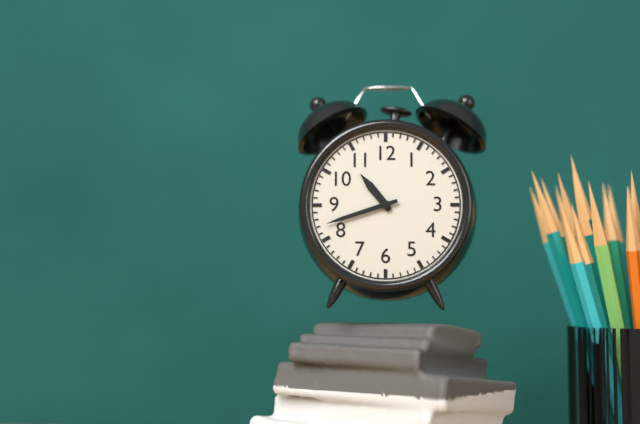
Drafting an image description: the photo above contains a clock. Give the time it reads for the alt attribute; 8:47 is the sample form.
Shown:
10:42
